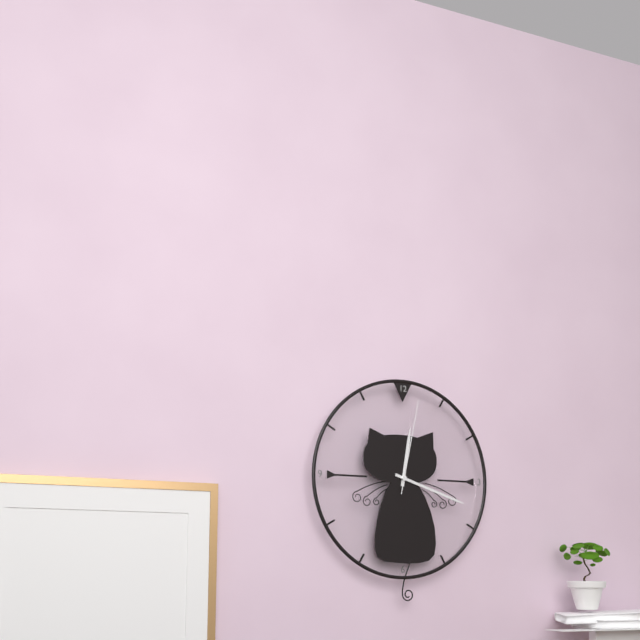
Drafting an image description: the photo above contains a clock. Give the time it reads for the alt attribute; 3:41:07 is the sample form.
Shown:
12:18:02
